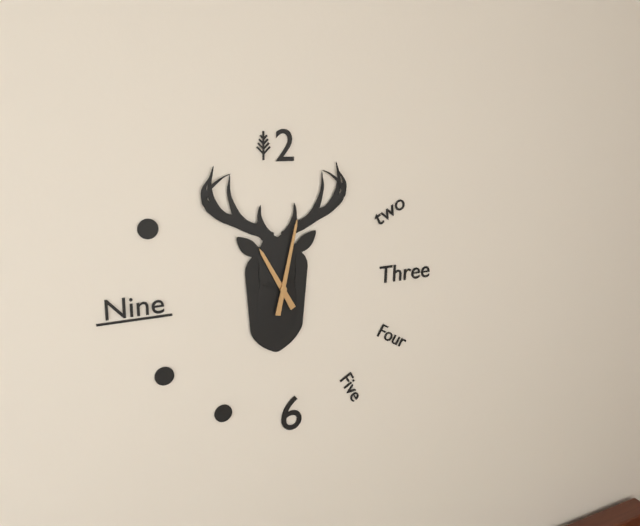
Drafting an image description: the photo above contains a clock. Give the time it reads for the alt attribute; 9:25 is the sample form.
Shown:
11:02
